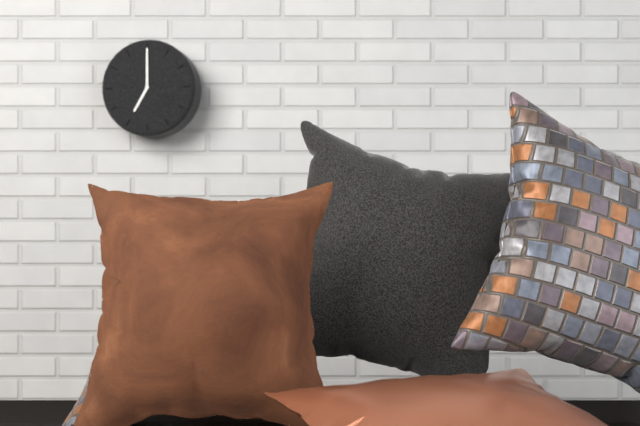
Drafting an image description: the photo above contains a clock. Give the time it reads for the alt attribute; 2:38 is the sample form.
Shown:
7:00
